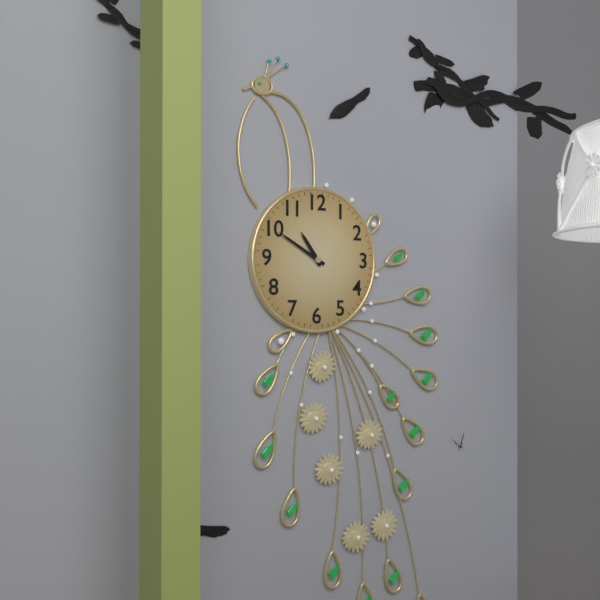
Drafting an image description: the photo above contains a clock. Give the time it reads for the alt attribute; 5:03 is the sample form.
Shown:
10:50
